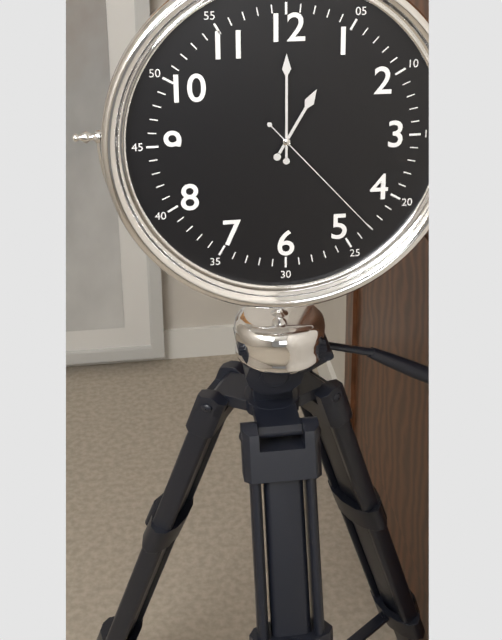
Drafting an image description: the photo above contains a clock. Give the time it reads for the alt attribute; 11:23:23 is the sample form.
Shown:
1:00:23
